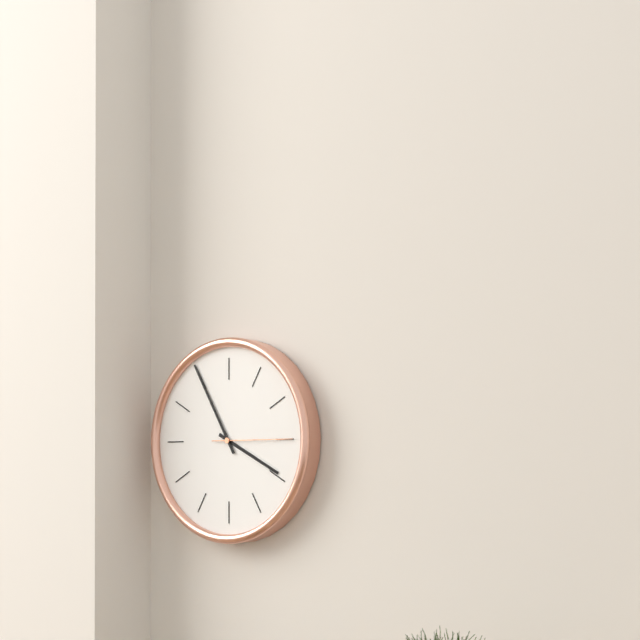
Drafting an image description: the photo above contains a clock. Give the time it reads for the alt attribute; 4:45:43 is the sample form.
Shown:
3:55:15
